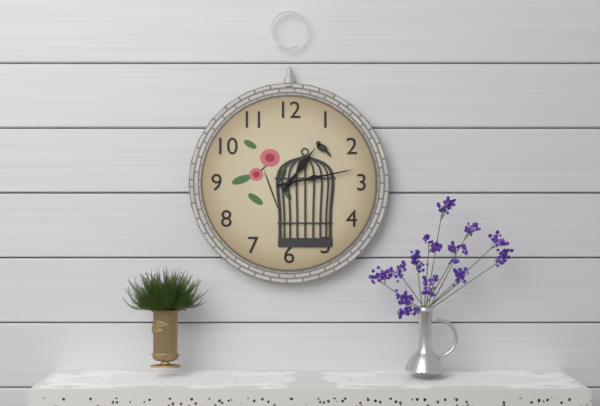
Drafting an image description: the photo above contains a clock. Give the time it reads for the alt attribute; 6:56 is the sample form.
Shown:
1:13
